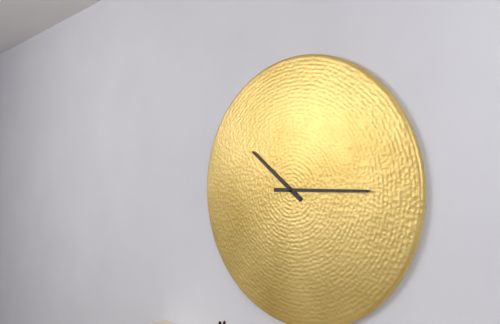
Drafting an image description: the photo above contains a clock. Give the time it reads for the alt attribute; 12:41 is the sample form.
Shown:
10:15
